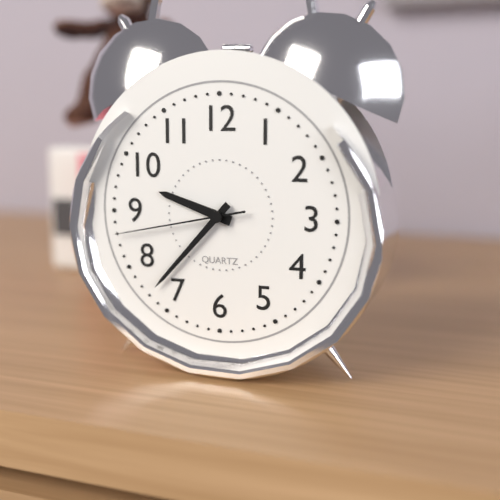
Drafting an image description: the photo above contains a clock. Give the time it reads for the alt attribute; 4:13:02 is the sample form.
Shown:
9:37:43
